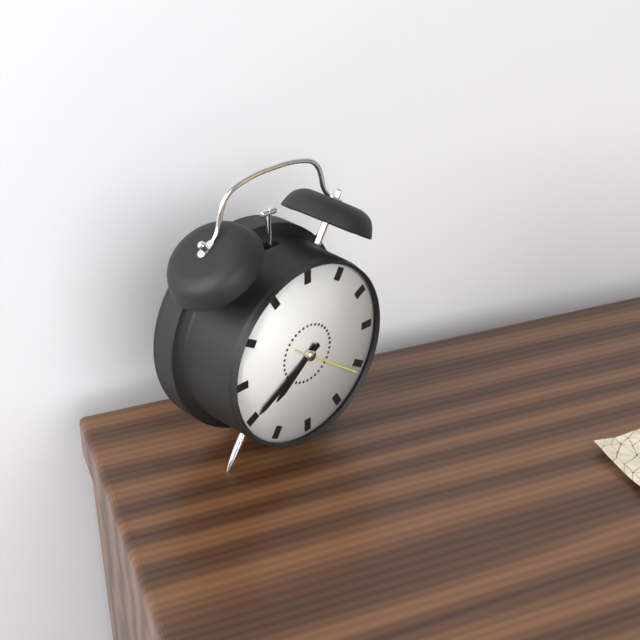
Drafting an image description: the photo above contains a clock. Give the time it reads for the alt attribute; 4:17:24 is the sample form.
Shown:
7:40:21
